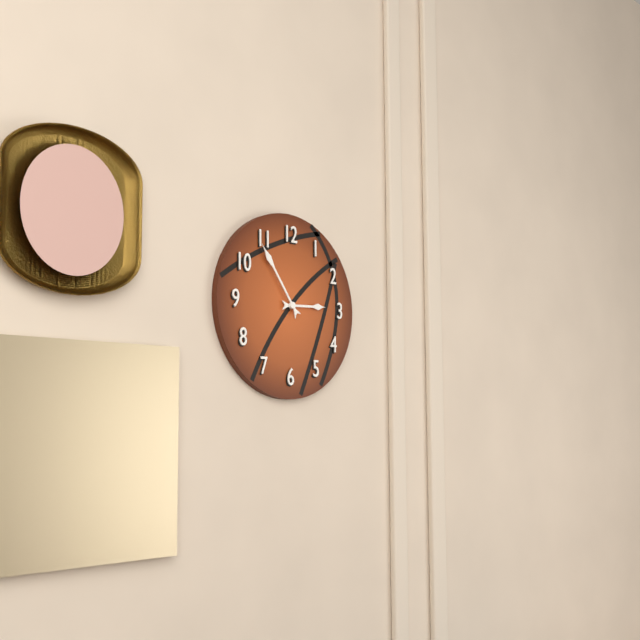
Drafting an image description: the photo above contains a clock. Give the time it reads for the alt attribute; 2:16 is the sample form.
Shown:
2:54
